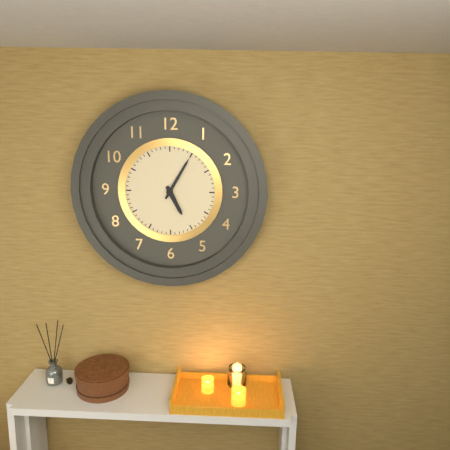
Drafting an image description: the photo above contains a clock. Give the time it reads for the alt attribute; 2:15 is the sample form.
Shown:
5:05
